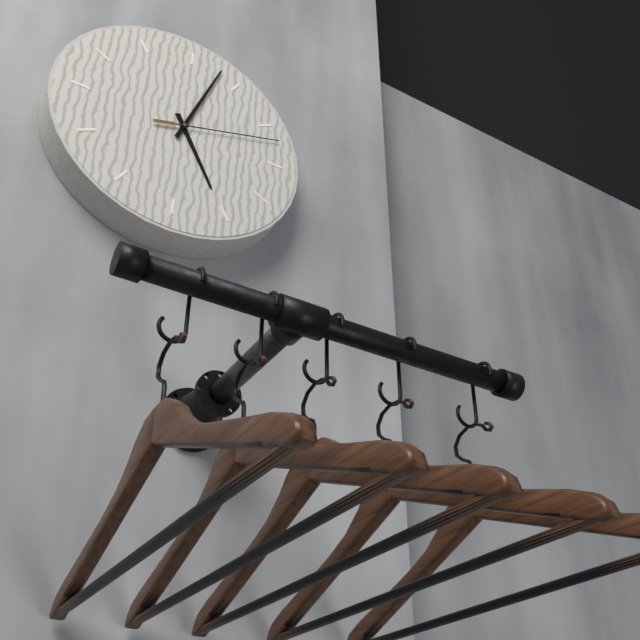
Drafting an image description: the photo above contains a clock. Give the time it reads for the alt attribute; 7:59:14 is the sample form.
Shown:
5:03:12
